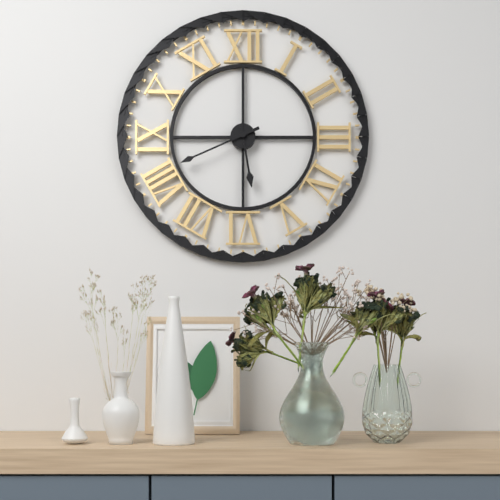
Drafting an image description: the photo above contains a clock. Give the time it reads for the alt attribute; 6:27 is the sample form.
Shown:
5:41
